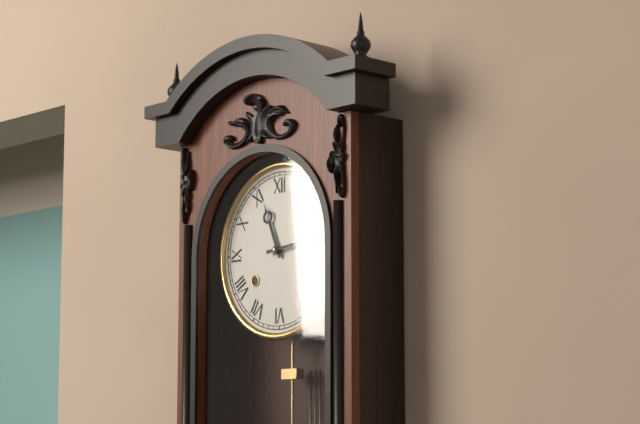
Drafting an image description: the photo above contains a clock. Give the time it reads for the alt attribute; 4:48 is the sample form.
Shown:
11:14
